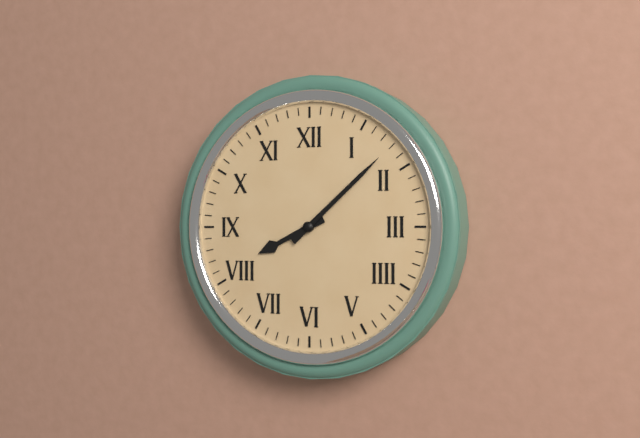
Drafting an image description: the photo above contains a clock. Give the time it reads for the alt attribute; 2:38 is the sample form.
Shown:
8:08
